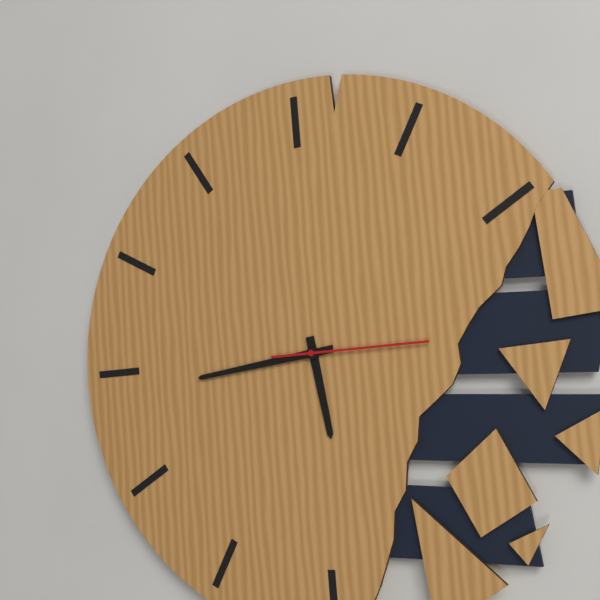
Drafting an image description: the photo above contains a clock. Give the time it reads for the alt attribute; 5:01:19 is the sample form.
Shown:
5:44:15
